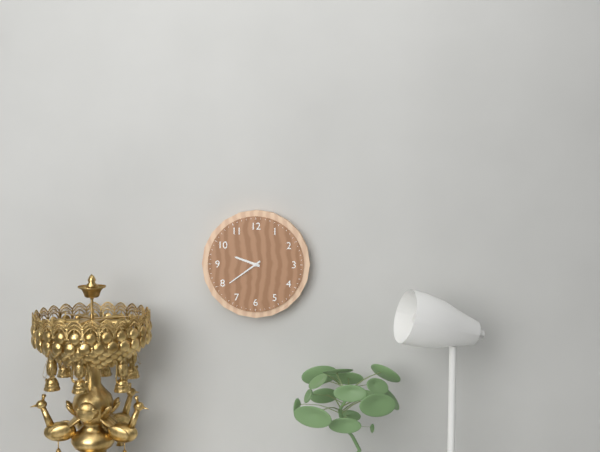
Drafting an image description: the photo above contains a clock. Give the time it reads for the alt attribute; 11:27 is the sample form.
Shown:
9:39
